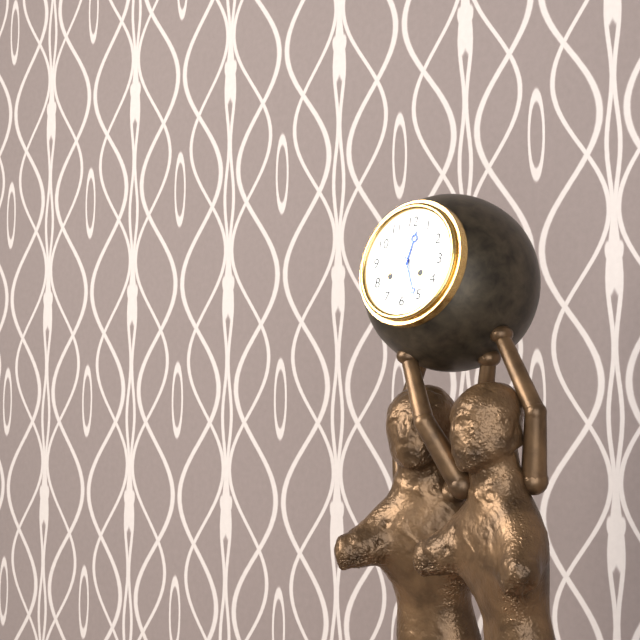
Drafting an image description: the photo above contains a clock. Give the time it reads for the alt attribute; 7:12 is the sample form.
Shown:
12:26
